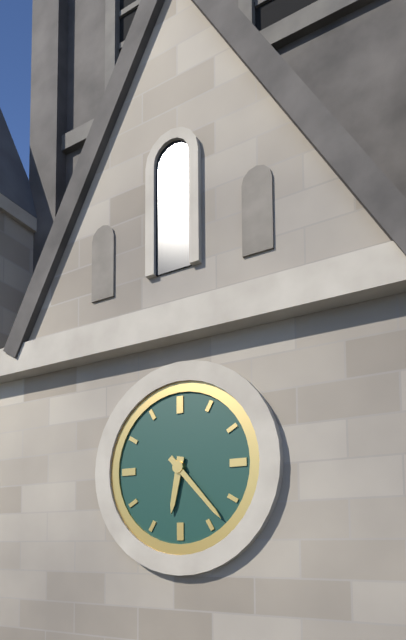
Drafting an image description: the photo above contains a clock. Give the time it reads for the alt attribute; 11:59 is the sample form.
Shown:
6:23
